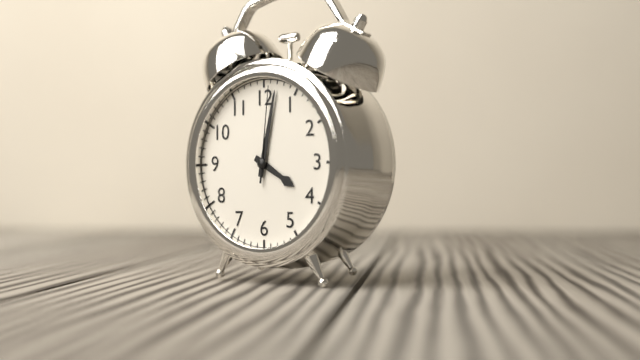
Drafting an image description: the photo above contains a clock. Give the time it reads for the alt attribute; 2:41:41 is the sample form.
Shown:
4:02:01
